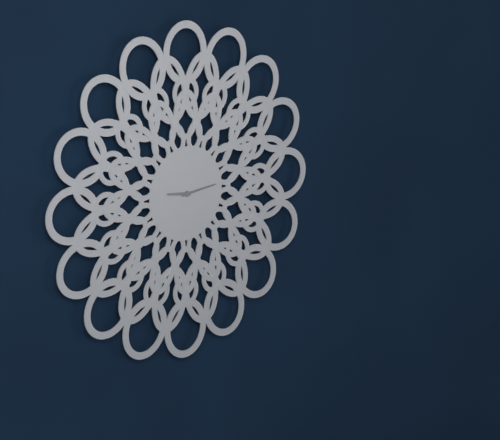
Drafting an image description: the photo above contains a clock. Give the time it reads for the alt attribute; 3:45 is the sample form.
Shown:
9:14
